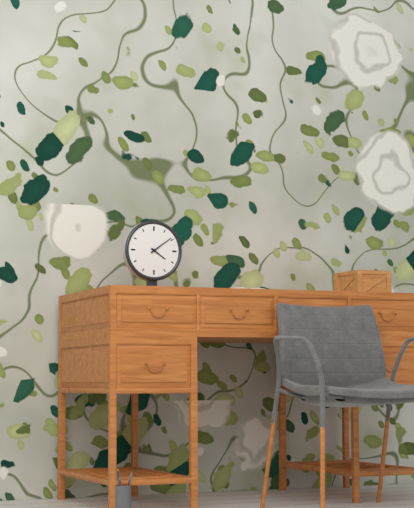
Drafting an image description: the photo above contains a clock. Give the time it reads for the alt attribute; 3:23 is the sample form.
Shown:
4:09
